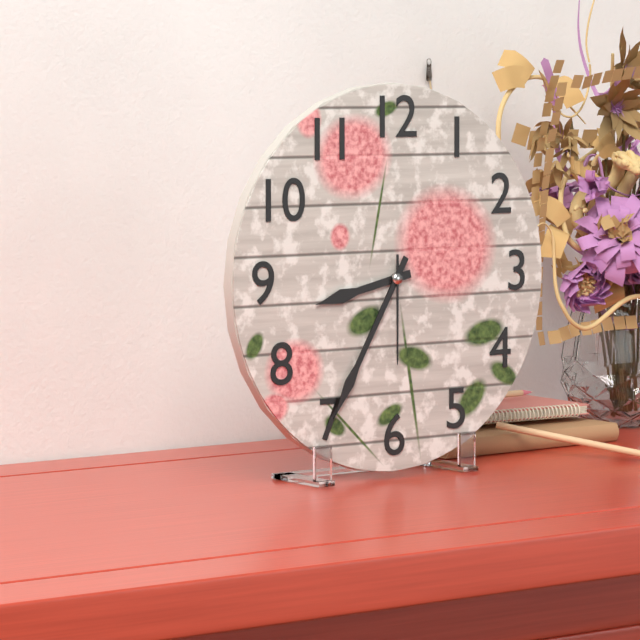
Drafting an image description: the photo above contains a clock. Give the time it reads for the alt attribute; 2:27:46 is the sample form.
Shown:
8:35:30
